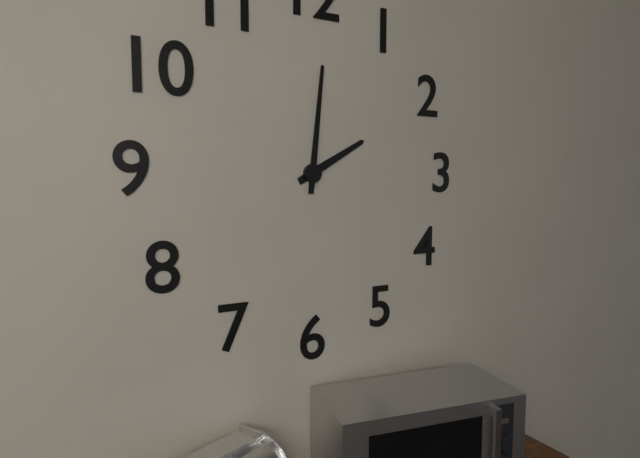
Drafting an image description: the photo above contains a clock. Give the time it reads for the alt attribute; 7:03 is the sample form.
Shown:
2:01
